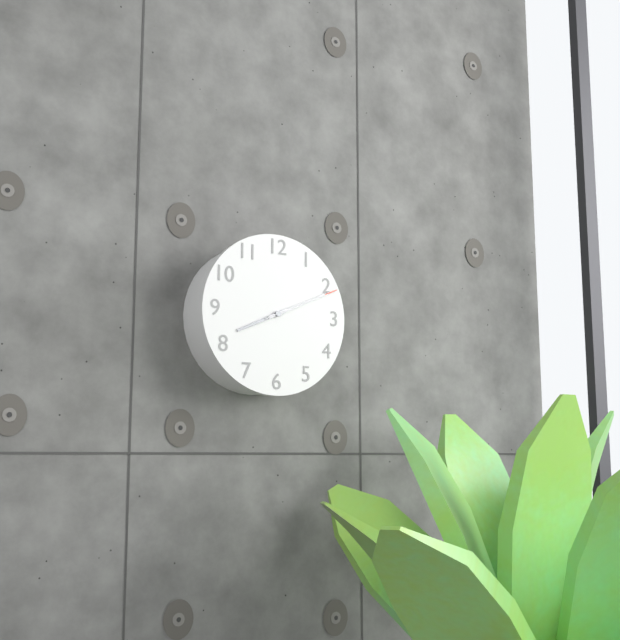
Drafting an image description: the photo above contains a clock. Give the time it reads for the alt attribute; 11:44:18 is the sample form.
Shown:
8:11:11
